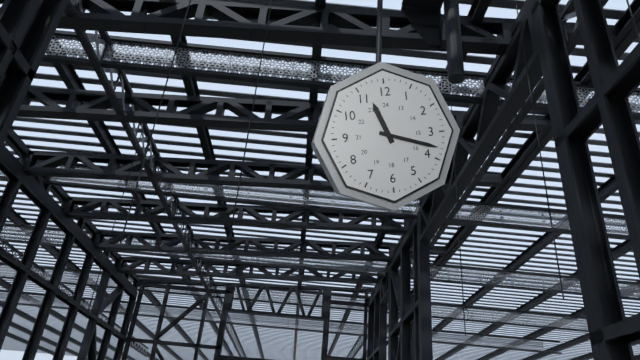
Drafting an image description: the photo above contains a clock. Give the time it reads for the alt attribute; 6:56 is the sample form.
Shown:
11:18
